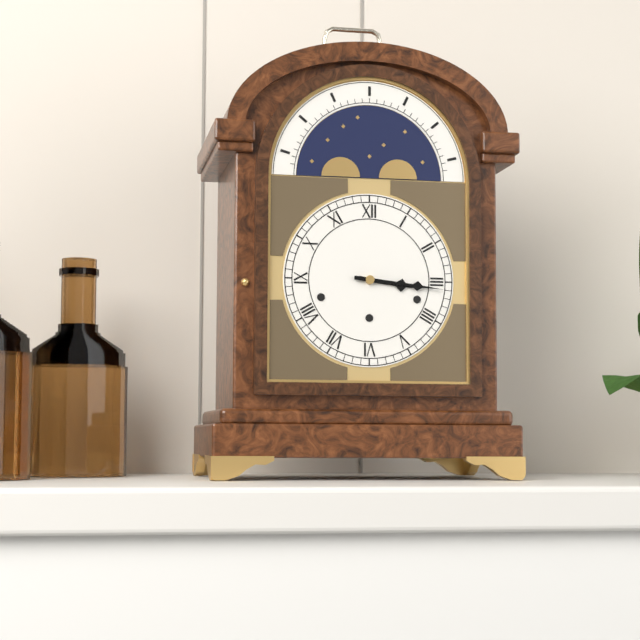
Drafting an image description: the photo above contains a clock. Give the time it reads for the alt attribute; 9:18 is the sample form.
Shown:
3:16
